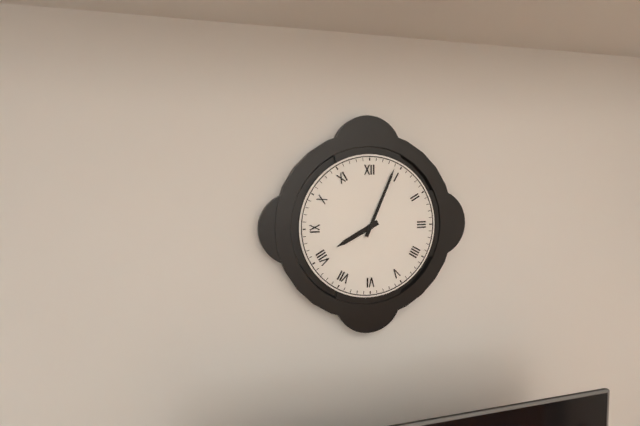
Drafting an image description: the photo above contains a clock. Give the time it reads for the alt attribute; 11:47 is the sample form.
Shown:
8:04
